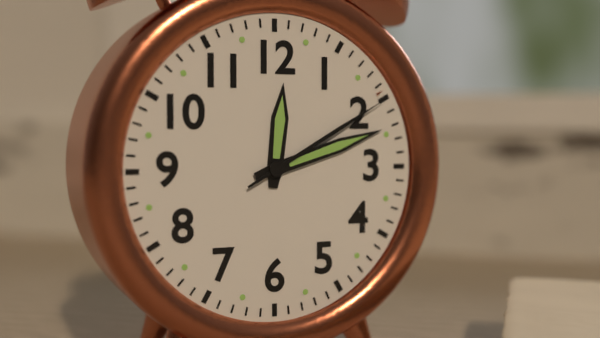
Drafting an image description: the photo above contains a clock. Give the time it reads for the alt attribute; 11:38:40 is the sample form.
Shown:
12:12:10
